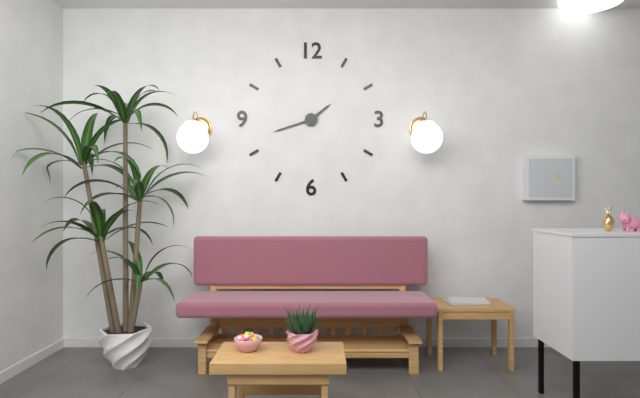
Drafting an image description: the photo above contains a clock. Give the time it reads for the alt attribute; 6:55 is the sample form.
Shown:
1:42
